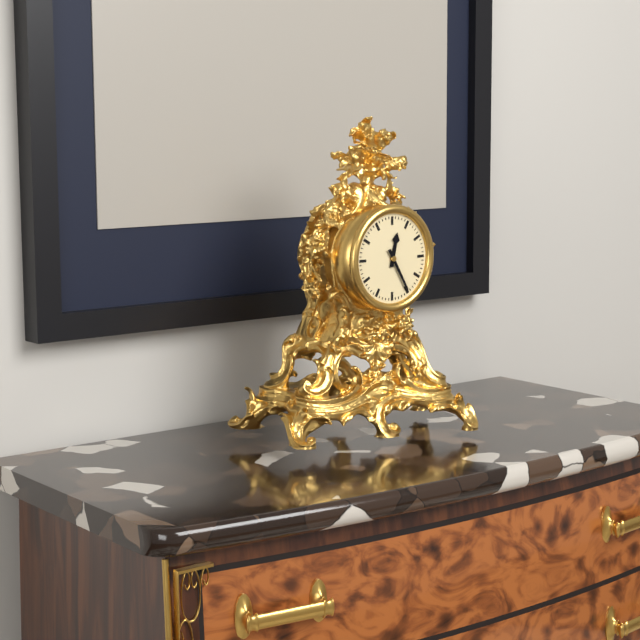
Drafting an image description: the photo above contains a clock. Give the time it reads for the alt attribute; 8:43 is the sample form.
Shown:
12:25
